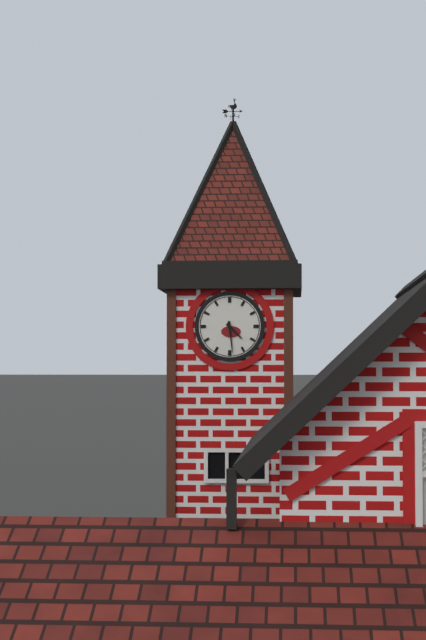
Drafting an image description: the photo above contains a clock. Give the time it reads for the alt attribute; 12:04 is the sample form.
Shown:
4:29
